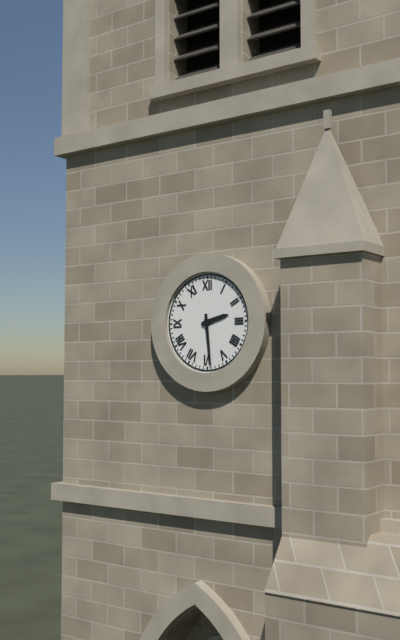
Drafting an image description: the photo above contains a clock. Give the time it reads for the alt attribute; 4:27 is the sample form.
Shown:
2:29
